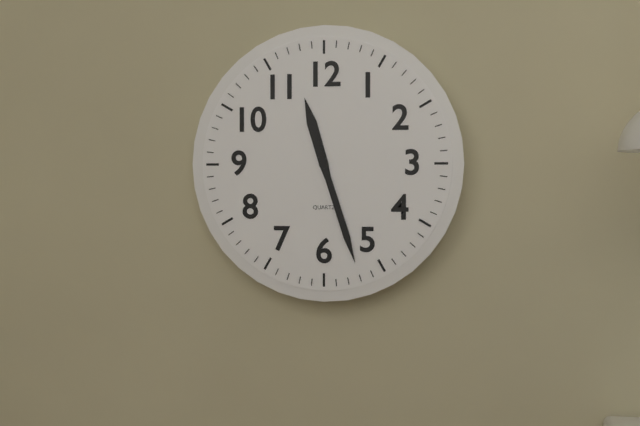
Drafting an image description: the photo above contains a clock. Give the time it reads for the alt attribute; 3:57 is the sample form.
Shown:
11:27
